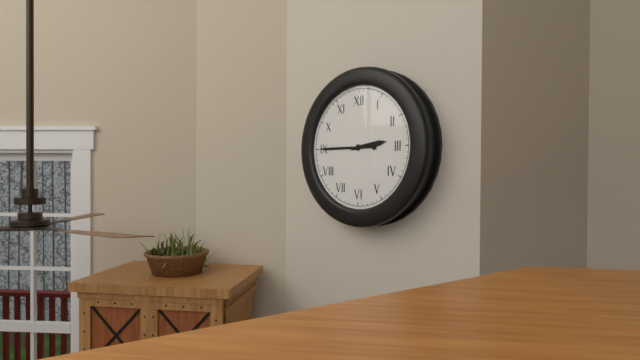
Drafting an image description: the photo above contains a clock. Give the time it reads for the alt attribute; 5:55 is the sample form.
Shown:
2:45
